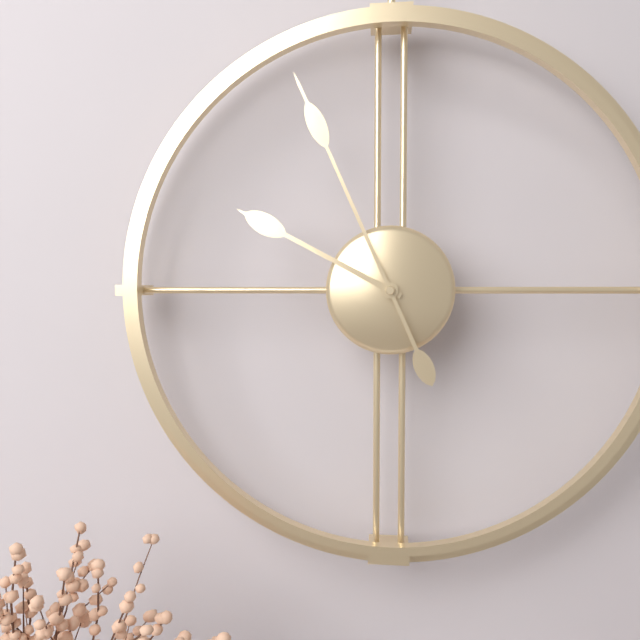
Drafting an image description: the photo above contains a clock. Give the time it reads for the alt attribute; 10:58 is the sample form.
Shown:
9:56
